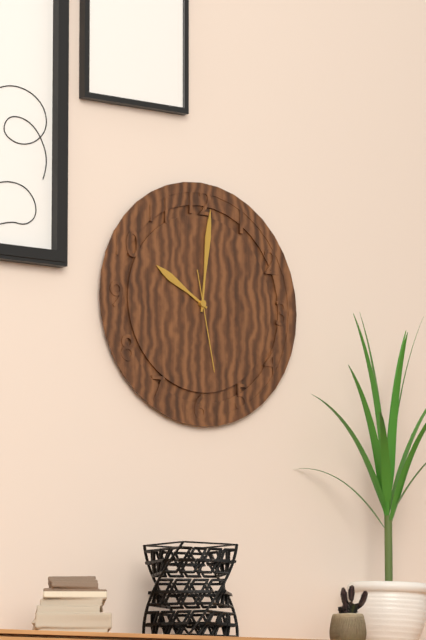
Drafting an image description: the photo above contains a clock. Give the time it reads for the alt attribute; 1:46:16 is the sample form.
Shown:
10:01:28
